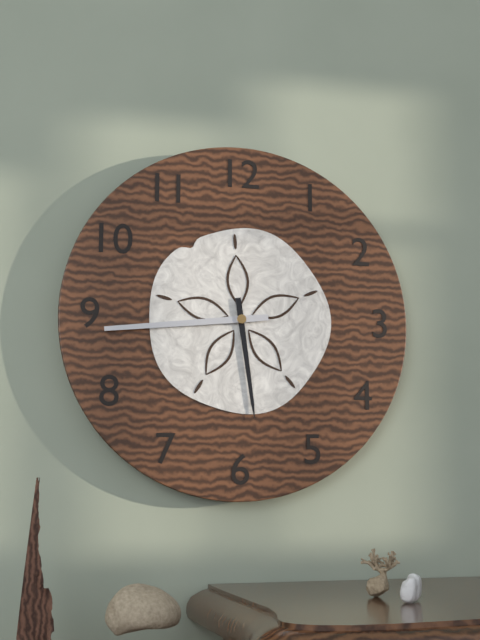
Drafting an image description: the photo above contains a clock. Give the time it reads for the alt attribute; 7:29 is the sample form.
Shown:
5:44
